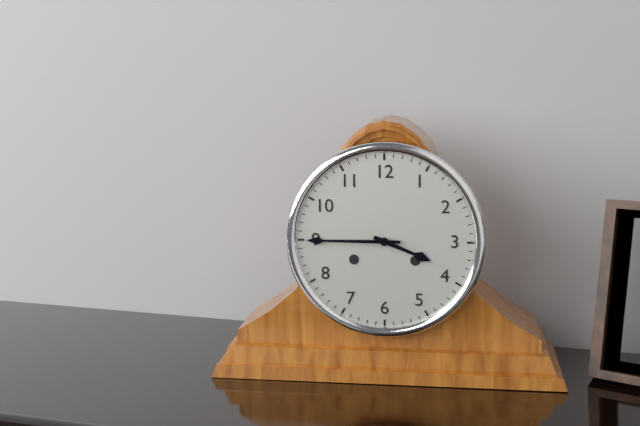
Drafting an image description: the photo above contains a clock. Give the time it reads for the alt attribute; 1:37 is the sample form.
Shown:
3:45
